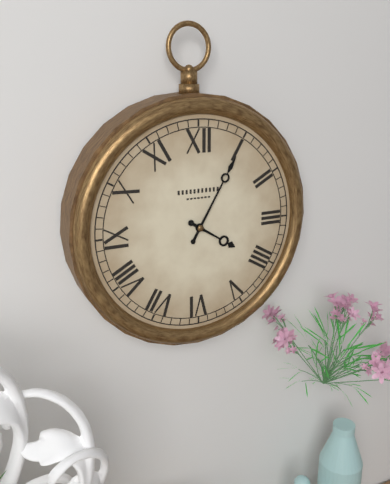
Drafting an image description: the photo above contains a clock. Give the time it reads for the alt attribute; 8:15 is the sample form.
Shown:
4:05
